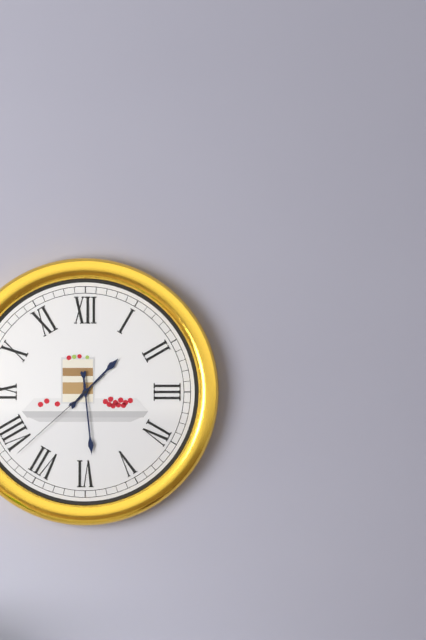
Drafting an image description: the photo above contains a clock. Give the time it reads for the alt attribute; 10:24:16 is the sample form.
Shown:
1:29:38
